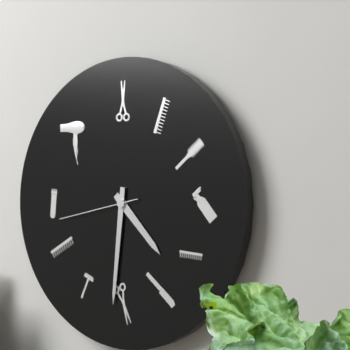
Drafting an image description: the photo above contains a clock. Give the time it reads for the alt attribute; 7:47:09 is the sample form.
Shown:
4:31:43
